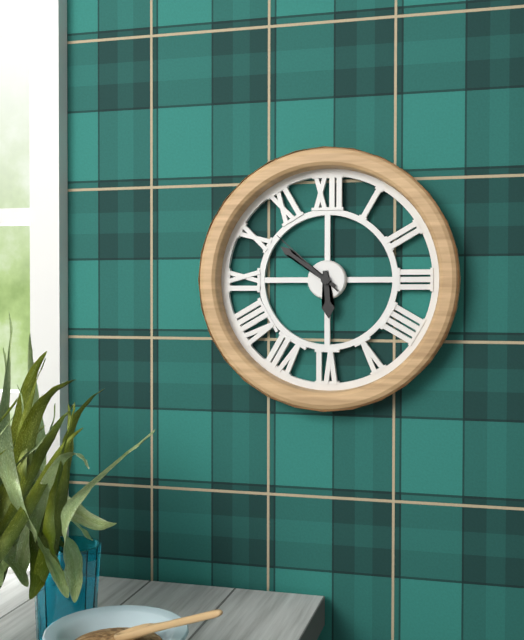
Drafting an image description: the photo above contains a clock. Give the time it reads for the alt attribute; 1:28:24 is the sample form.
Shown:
5:51:52
